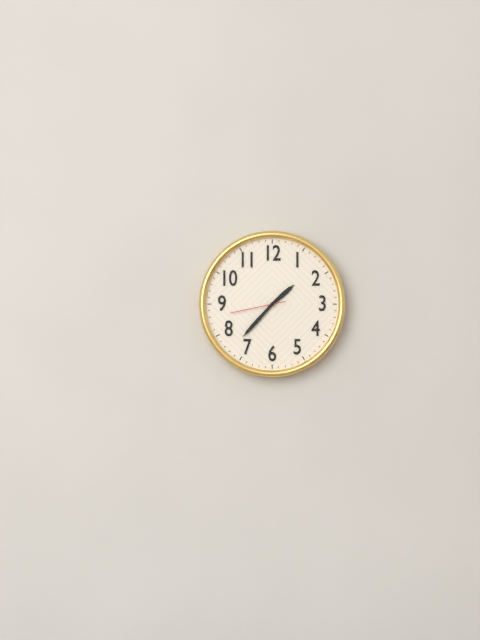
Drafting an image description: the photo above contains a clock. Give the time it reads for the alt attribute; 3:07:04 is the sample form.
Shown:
1:37:43
